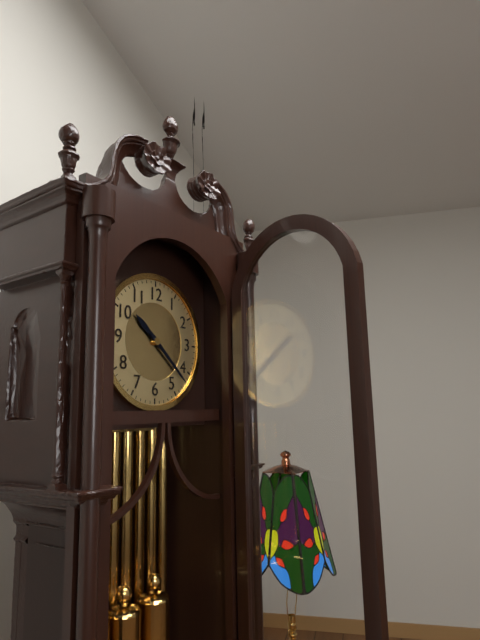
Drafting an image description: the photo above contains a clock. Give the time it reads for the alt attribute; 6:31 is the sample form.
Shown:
10:22
